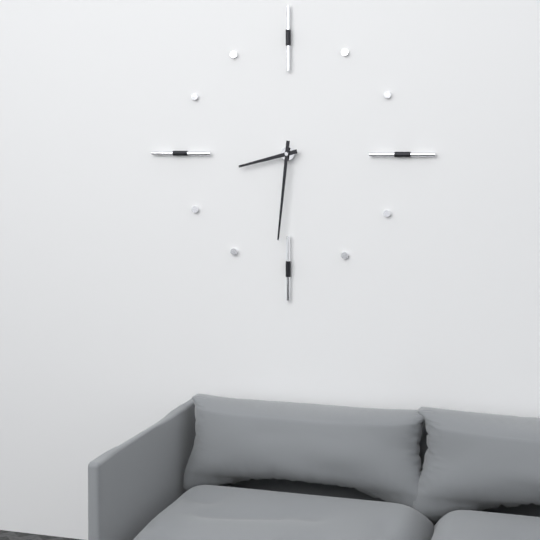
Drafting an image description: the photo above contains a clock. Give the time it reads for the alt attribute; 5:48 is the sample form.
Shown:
8:31
